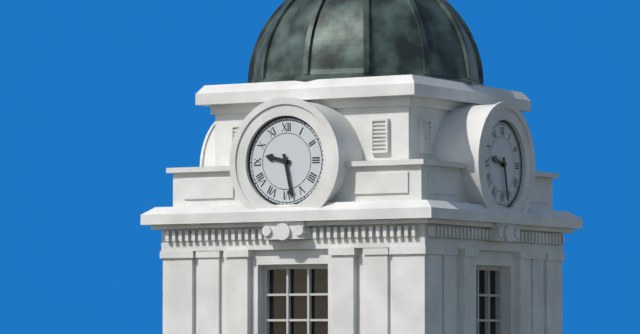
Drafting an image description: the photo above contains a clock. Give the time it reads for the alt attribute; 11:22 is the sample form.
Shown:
9:28
